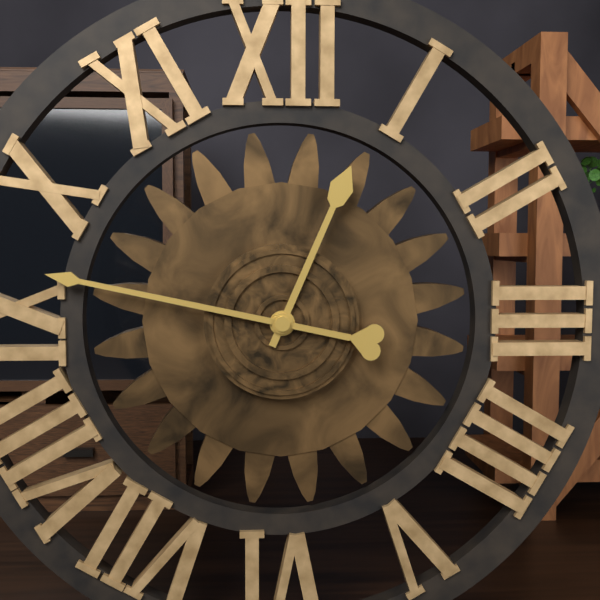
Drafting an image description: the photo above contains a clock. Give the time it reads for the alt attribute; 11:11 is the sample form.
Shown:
12:47
